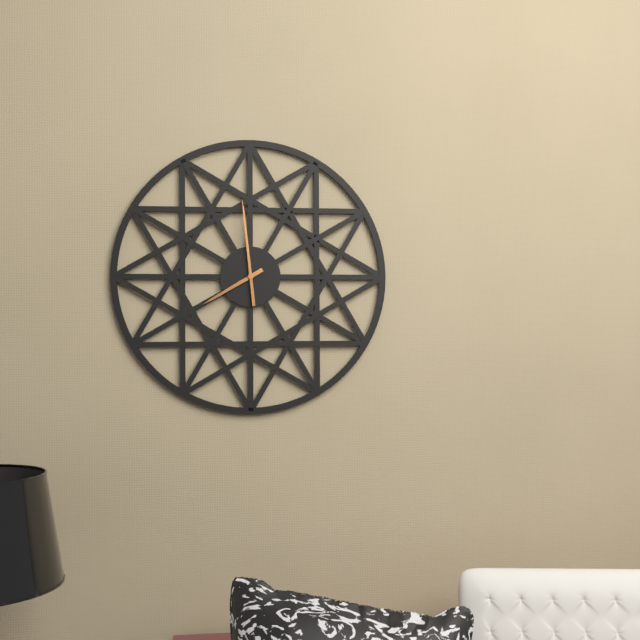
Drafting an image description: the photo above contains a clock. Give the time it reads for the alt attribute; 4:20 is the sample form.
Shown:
7:59
